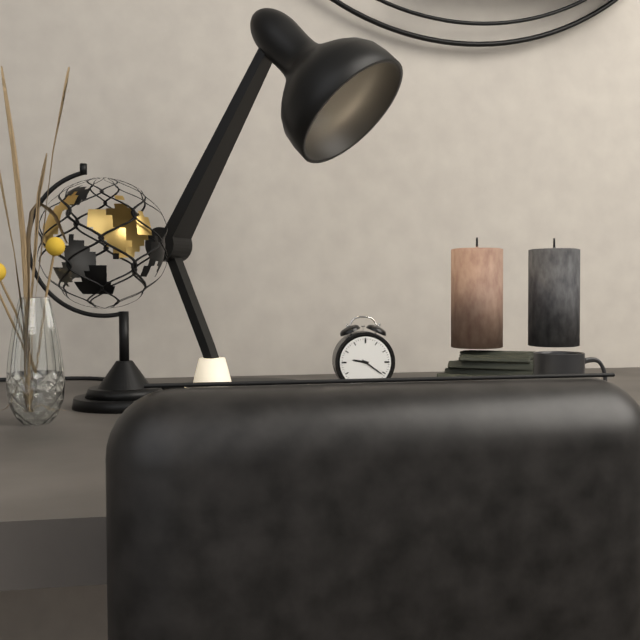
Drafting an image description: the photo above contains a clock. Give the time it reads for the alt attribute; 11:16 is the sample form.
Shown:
9:21
